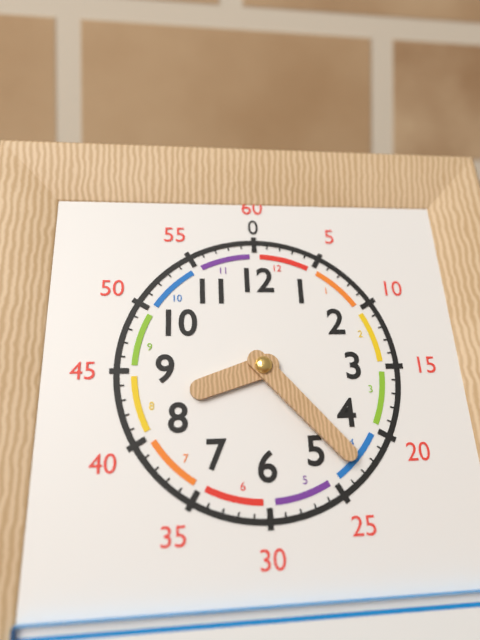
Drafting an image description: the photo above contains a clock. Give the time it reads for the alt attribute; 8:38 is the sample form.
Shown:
8:23
